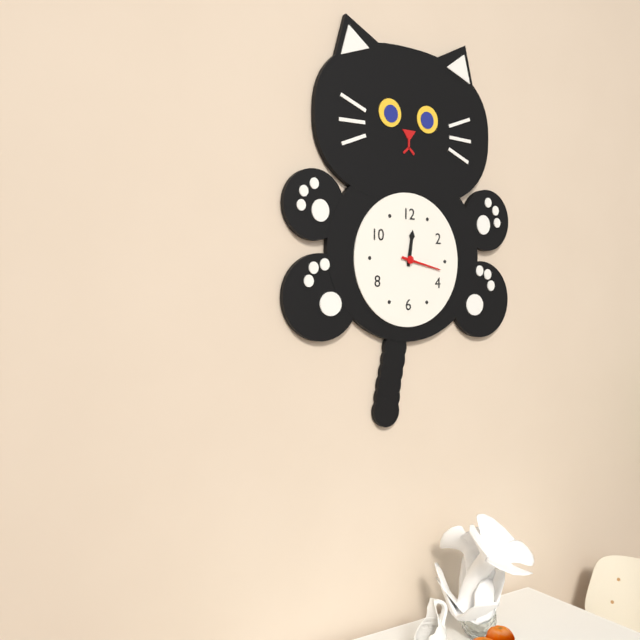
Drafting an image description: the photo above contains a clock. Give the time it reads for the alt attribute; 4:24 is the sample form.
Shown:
12:17
